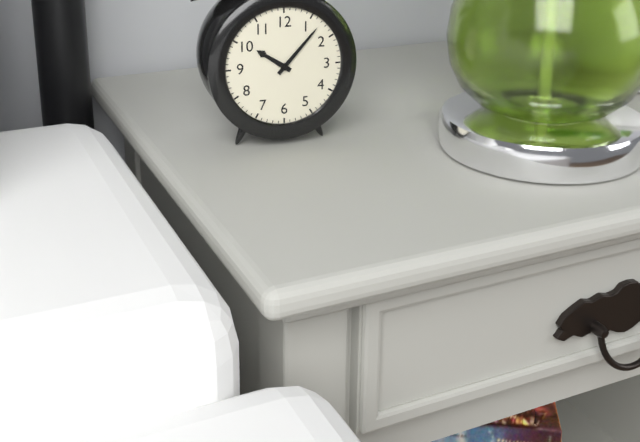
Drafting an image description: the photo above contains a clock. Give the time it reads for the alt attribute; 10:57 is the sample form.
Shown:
10:07
